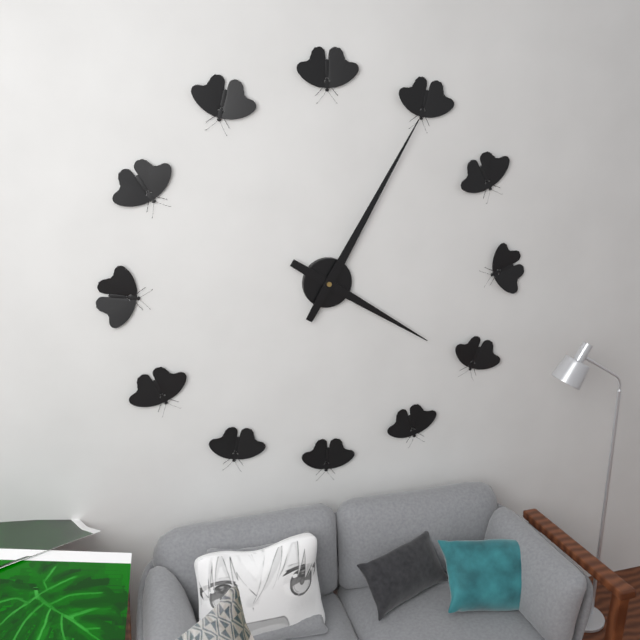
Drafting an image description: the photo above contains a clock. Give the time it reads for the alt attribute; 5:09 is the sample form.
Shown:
4:05
